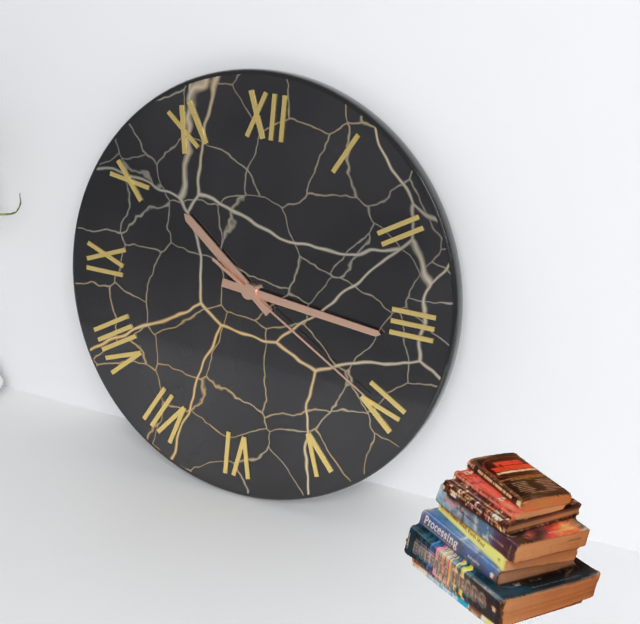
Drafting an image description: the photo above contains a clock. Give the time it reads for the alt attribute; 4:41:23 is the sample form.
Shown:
10:16:20
